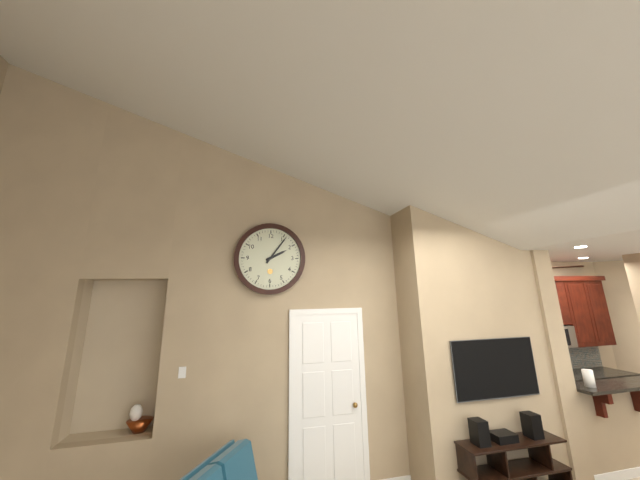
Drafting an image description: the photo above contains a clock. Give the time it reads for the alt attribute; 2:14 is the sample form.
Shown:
2:06
